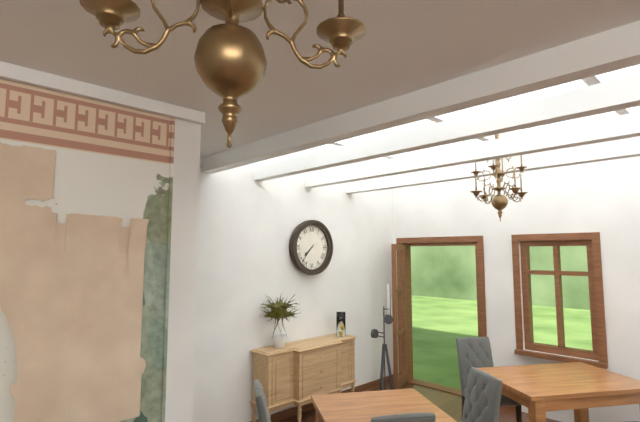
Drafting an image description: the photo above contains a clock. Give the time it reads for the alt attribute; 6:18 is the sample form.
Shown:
7:37
